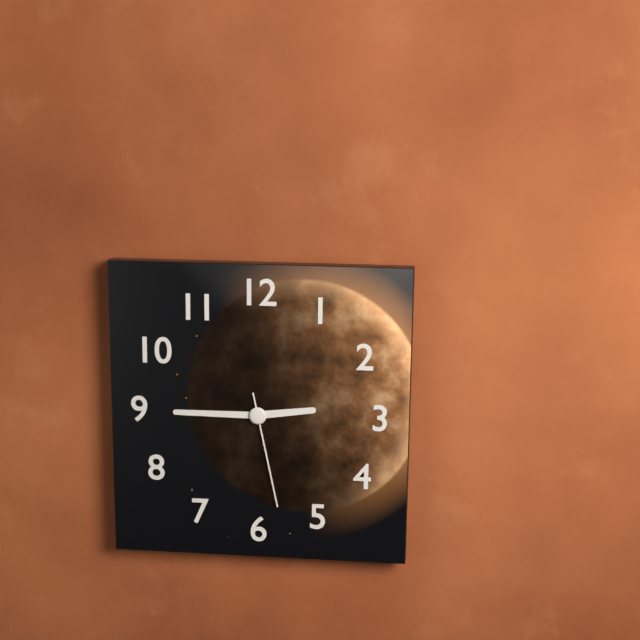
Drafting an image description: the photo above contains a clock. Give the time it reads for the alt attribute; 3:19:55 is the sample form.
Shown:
2:45:28
